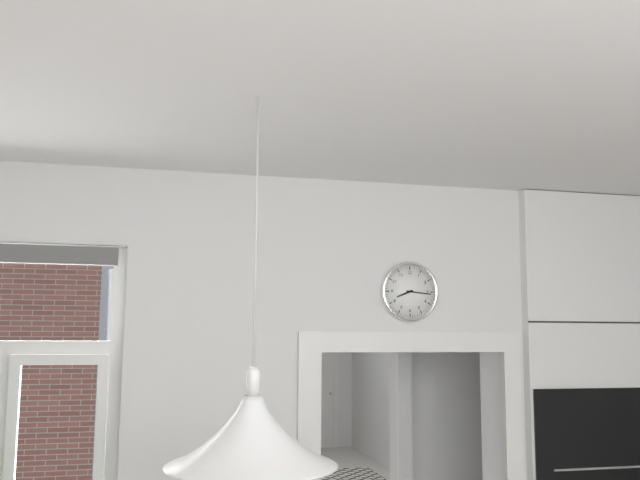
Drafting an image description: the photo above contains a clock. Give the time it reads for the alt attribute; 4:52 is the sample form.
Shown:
8:16
